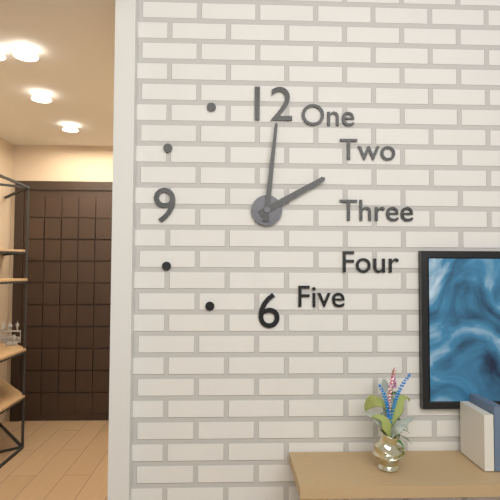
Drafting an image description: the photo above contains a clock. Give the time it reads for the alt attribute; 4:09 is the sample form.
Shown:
2:01
